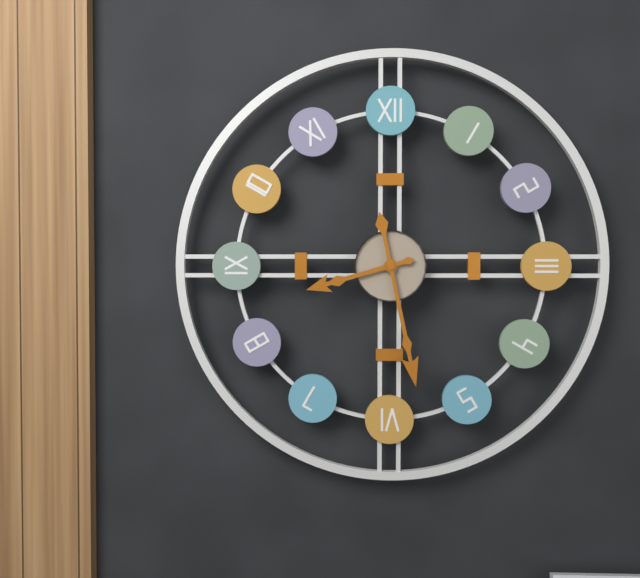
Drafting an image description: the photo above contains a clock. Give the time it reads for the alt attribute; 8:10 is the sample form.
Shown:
8:28
